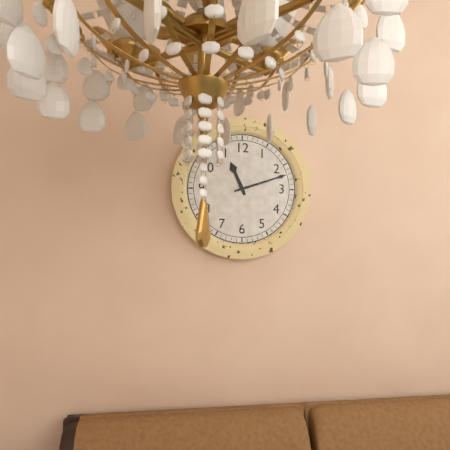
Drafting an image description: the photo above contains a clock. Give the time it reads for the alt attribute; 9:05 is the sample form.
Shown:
11:12
